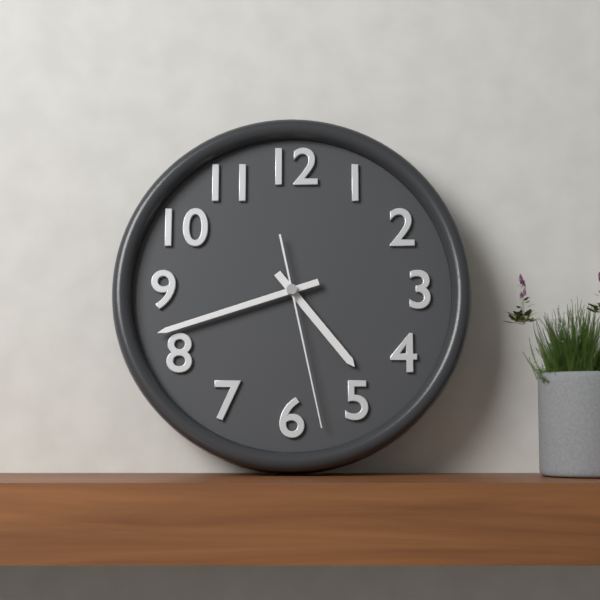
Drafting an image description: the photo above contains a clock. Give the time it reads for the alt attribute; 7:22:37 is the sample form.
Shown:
4:42:28
